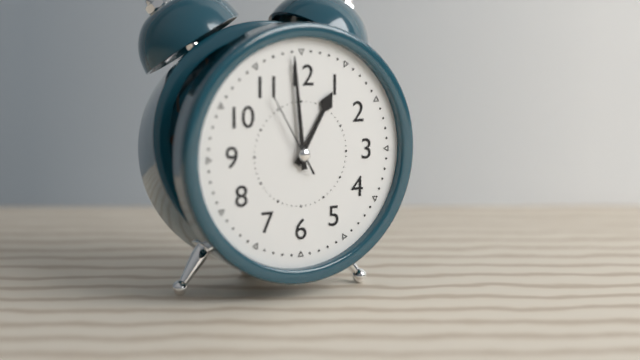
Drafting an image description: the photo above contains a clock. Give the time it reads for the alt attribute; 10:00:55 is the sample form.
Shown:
12:59:55
